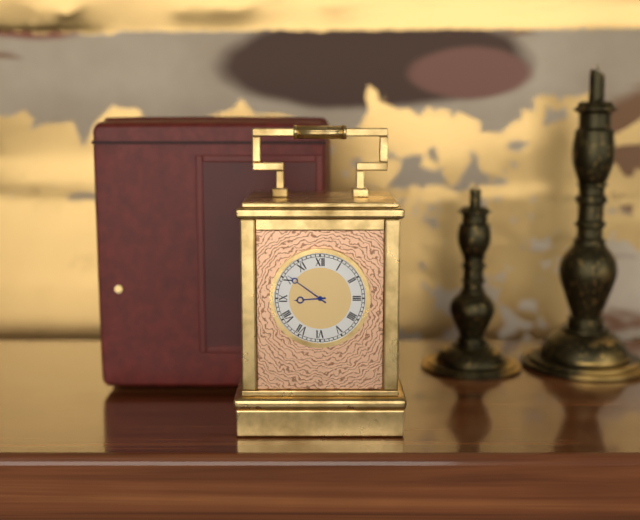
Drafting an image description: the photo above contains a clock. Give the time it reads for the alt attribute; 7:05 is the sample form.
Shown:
8:51
